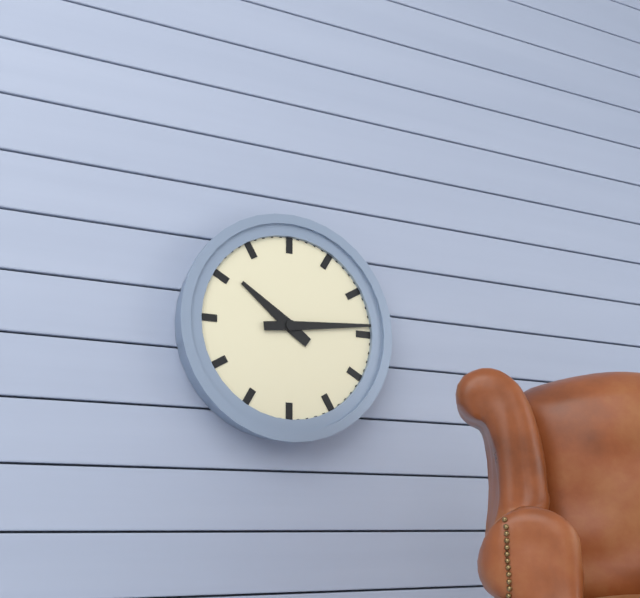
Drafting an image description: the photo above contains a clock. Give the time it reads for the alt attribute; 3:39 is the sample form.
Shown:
10:14
